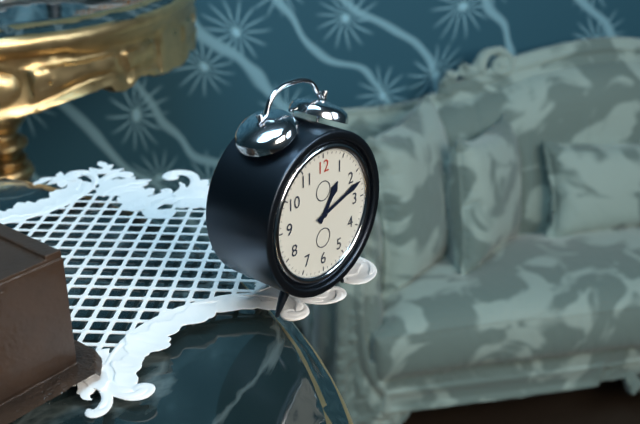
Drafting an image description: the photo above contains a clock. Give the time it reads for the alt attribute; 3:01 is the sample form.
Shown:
1:12
